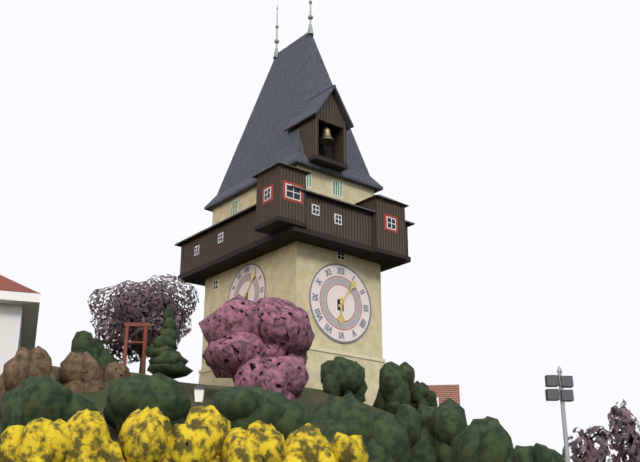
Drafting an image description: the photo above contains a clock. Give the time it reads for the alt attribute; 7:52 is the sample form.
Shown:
6:06
